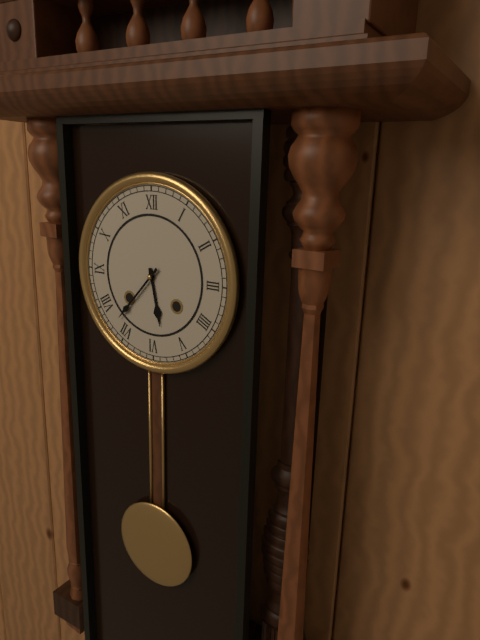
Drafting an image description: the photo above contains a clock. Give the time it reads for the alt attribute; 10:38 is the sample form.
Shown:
5:37
